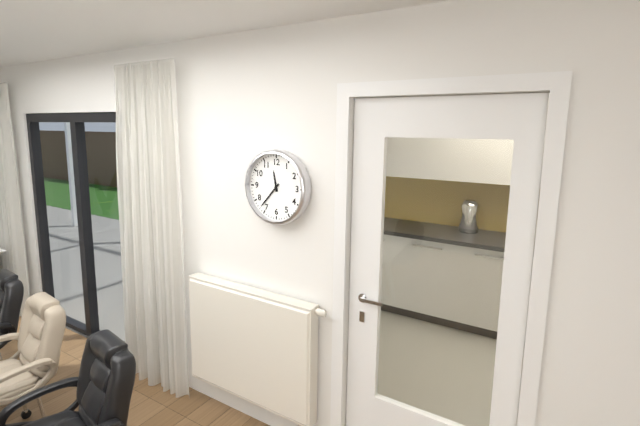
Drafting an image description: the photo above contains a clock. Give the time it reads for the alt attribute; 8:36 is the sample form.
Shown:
11:37
